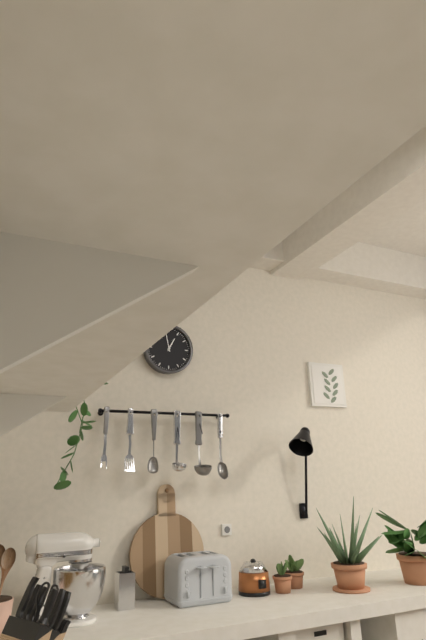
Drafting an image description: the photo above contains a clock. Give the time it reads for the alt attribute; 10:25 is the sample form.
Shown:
12:58
